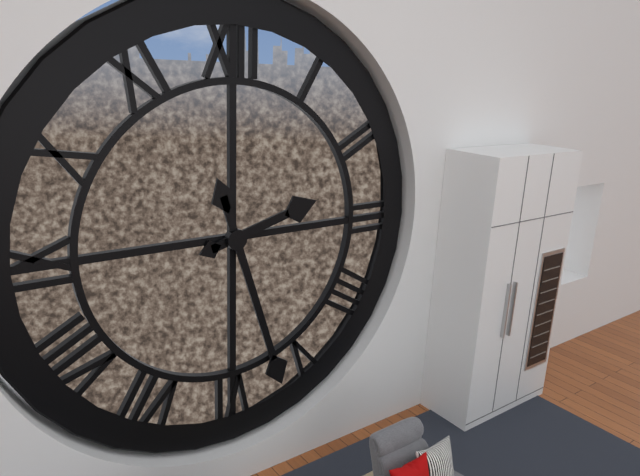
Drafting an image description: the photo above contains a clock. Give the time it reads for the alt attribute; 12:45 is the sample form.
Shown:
2:27
